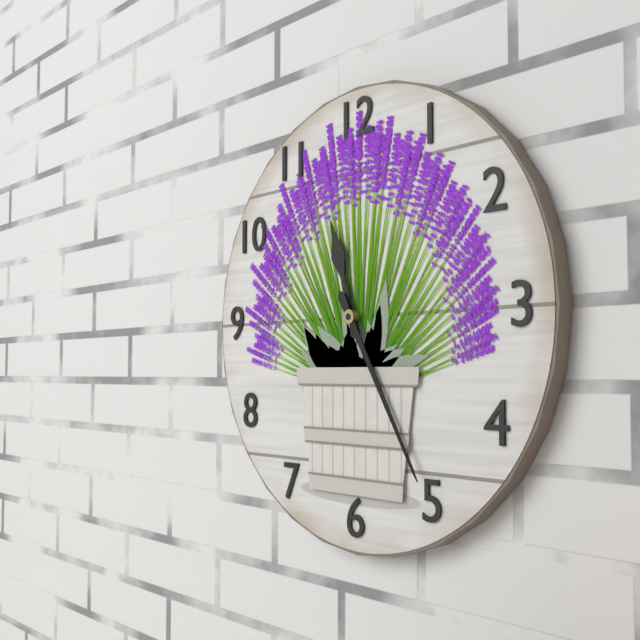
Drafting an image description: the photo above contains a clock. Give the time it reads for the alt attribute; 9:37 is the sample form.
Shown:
11:25
